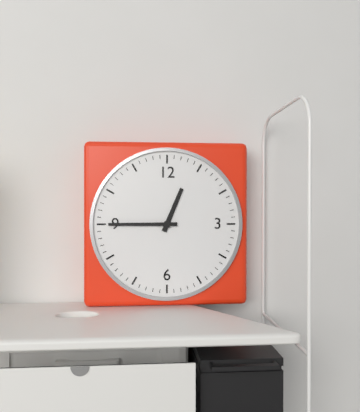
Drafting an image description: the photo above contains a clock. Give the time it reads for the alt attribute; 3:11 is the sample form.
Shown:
12:45
